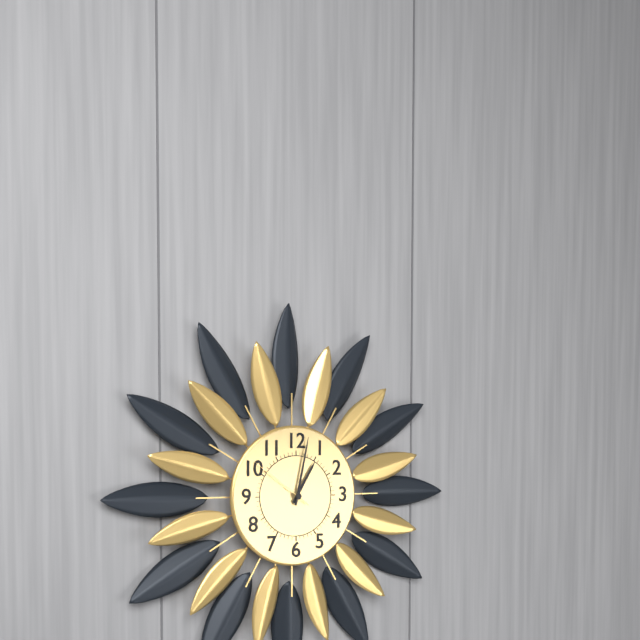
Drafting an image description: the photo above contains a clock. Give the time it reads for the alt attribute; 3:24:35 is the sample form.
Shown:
1:02:51
